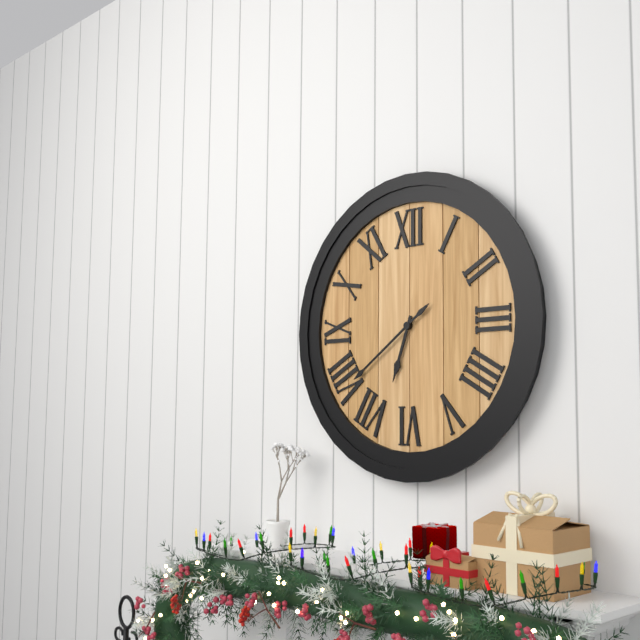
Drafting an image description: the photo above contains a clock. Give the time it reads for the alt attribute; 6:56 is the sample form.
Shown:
6:39
